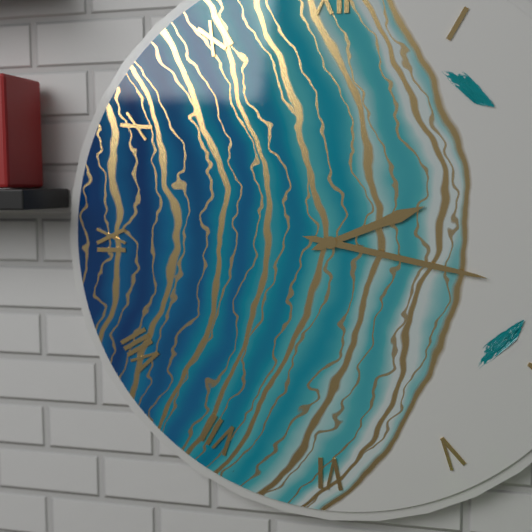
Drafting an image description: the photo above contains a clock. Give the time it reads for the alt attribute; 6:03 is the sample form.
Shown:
2:17
